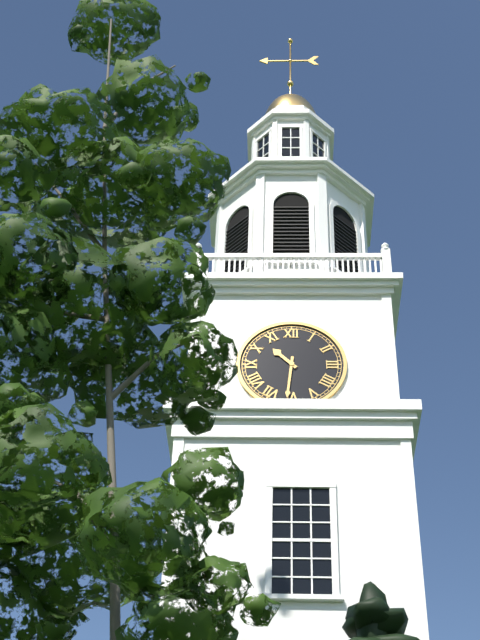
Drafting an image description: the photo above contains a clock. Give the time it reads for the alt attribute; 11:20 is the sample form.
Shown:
10:31
